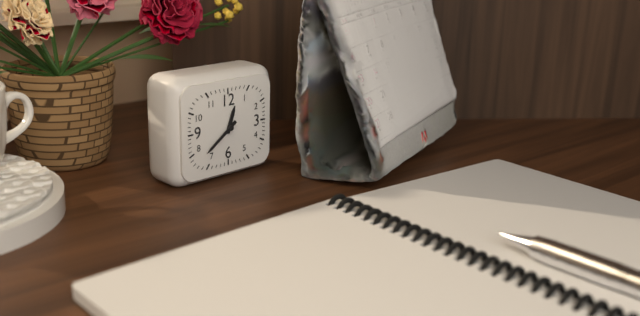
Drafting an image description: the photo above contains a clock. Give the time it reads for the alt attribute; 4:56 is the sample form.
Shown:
12:39
